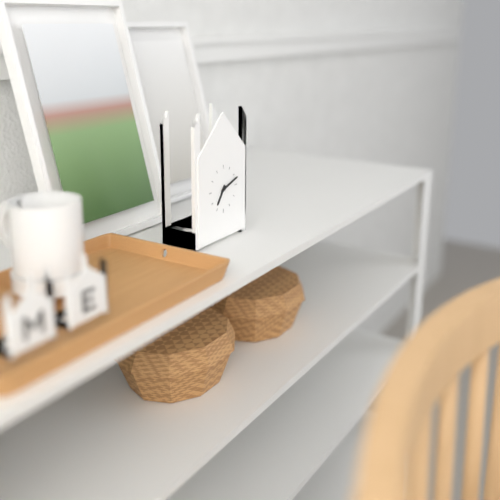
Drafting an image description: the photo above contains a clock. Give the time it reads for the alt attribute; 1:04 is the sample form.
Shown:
7:12
